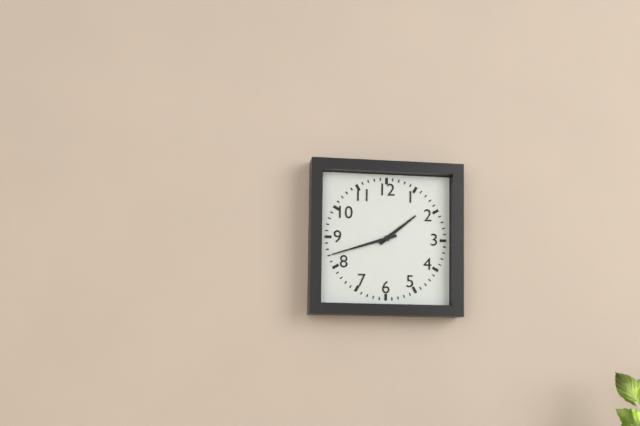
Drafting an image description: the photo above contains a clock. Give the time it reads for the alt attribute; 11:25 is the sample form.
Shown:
1:42
